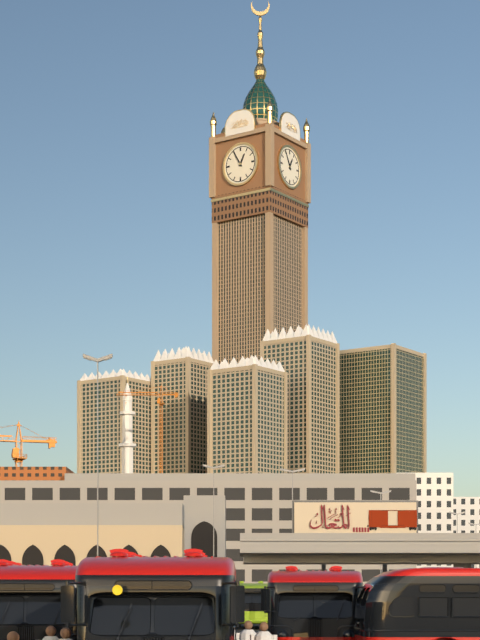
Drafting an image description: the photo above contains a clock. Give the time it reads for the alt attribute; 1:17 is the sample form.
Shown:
12:55
